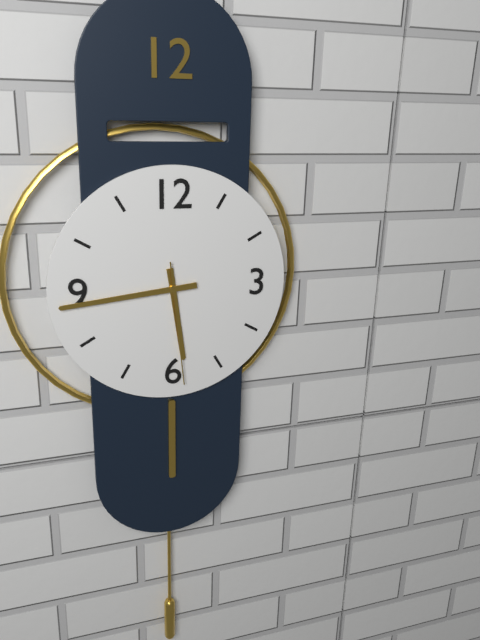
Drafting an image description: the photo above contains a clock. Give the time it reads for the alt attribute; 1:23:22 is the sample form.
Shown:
5:44:29
